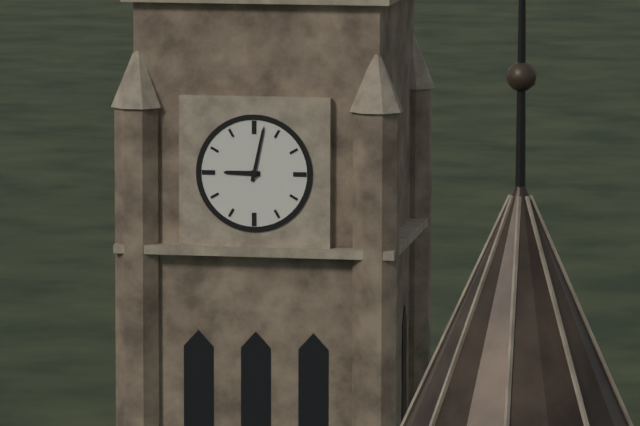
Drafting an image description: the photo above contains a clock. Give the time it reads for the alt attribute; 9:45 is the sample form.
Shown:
9:02
